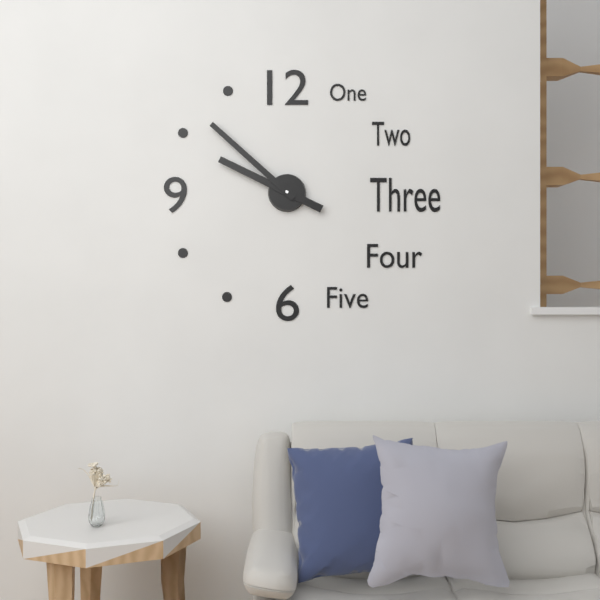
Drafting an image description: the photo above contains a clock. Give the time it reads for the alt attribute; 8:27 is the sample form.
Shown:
9:52
